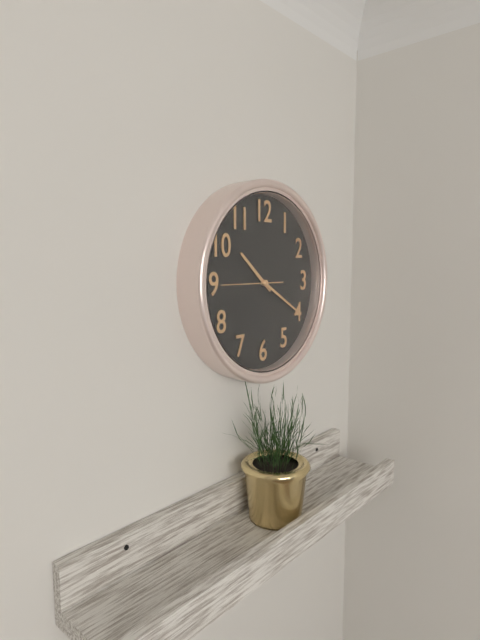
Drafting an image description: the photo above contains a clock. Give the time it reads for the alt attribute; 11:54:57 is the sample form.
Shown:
10:20:45
